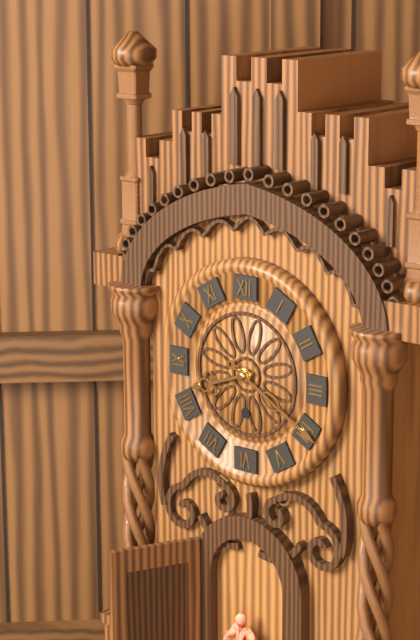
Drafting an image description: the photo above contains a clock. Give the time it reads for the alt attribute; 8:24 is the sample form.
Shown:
8:20
